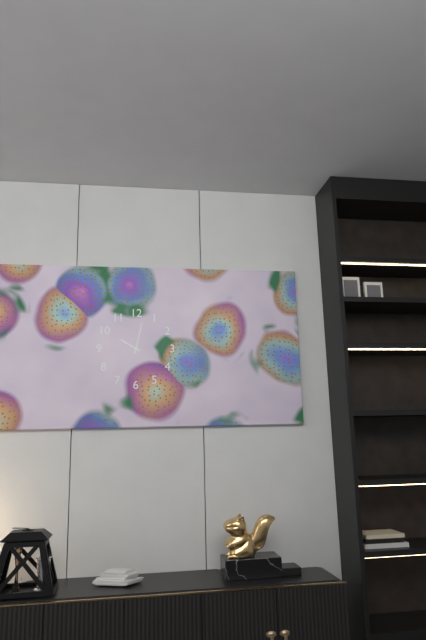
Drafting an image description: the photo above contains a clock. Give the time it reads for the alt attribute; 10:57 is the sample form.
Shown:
10:02
